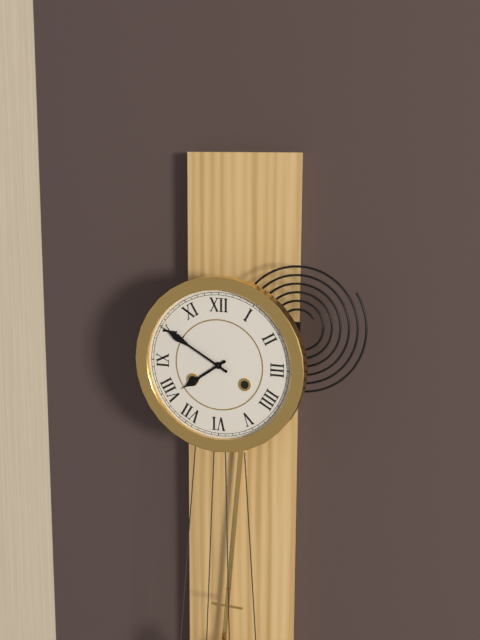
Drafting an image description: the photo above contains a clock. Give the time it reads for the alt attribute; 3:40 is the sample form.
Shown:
7:50
